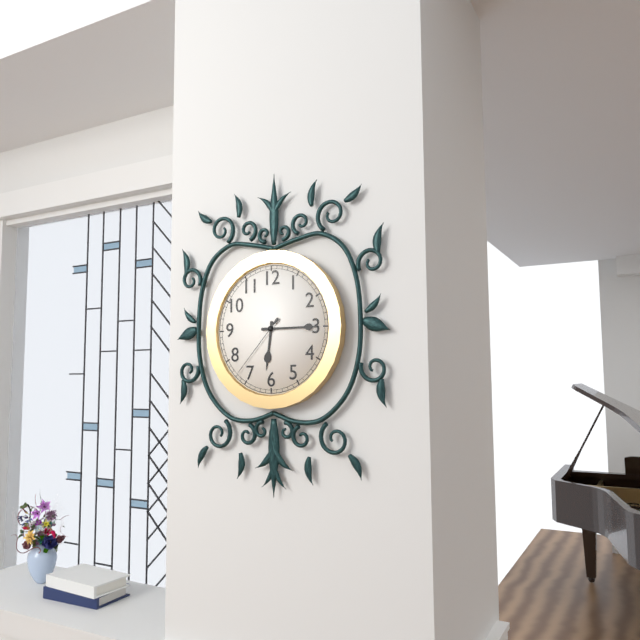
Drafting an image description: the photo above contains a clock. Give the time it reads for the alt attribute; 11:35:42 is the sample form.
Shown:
6:15:37
